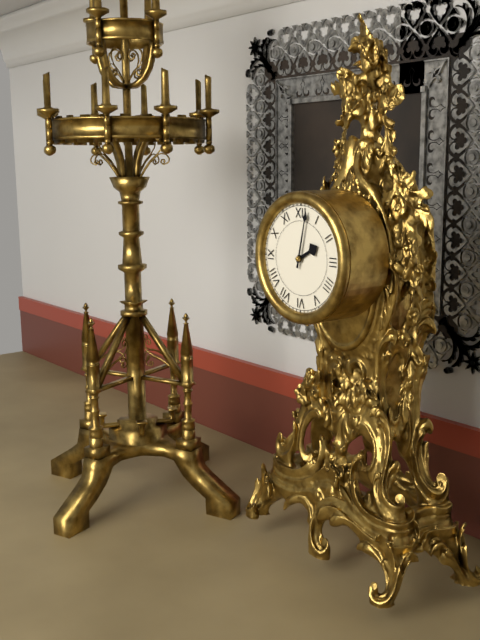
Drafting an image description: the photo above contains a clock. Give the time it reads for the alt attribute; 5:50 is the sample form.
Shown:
2:02
